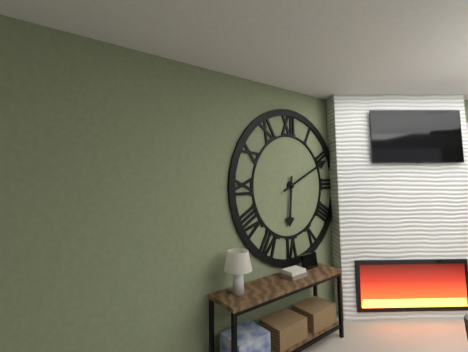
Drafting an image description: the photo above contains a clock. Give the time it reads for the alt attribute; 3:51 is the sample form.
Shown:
6:11
